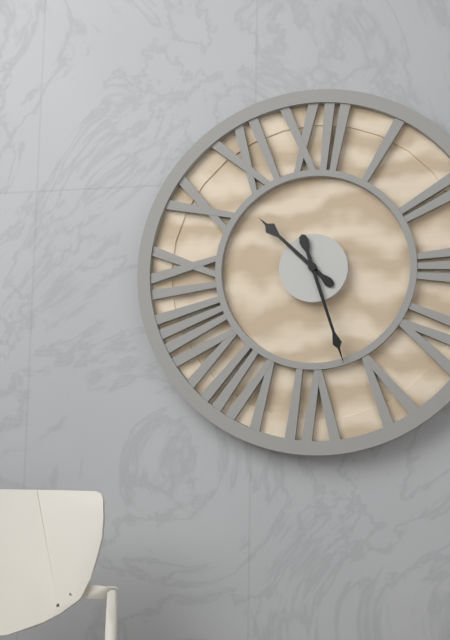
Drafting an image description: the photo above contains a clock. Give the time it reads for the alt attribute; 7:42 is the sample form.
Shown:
10:27
